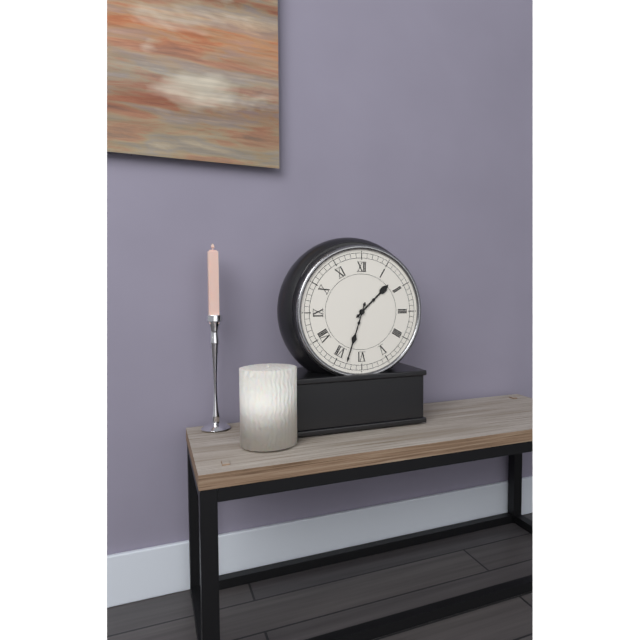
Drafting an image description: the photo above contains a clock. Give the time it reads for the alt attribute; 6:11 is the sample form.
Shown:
1:33
